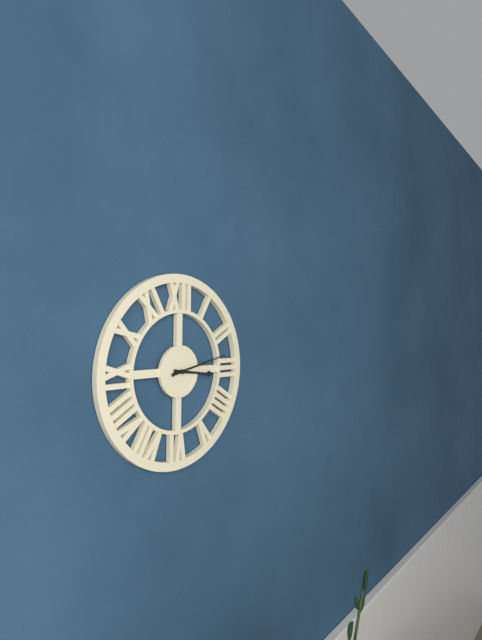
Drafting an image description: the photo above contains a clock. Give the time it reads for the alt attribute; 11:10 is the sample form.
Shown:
3:13
